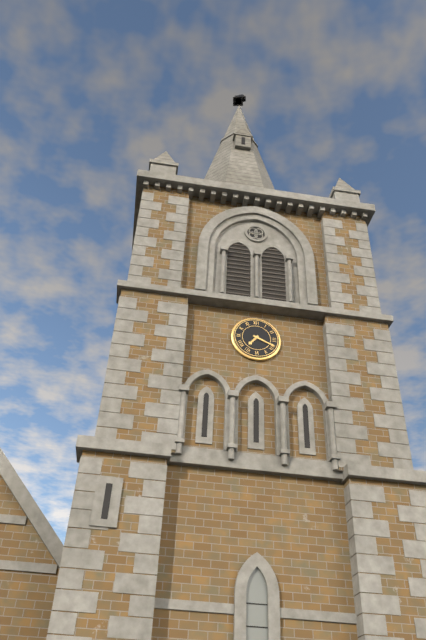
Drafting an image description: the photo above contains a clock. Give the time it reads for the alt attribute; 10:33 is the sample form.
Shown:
7:19
